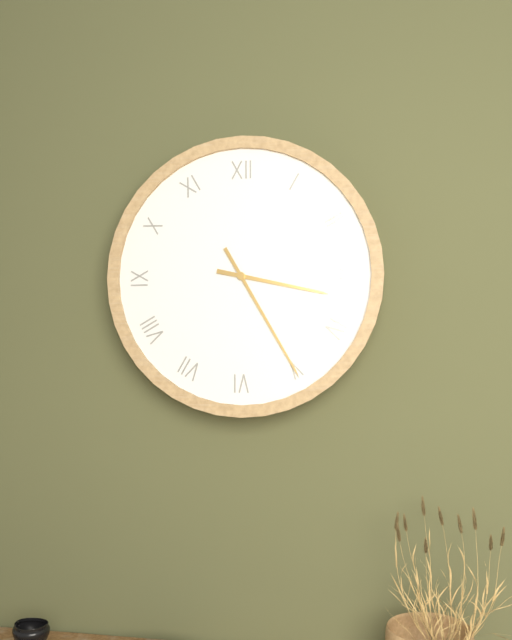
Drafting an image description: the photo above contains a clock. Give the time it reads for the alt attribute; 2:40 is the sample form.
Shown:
3:25
